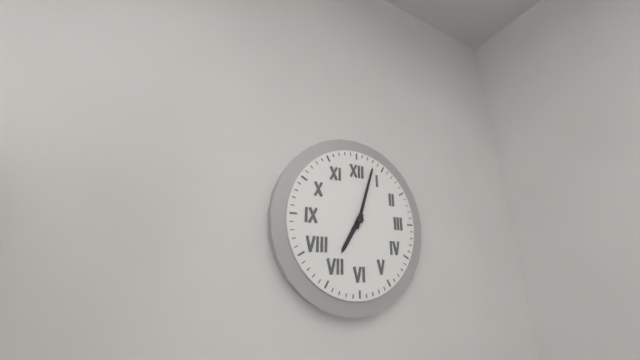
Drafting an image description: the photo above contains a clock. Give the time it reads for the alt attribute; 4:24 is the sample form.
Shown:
7:03
